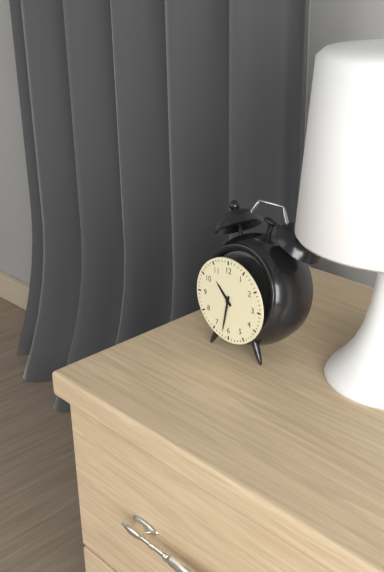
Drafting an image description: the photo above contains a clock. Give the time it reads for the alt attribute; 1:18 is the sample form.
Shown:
10:32
